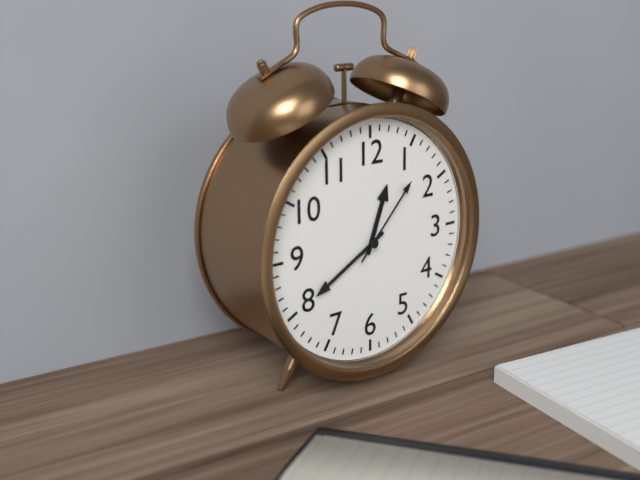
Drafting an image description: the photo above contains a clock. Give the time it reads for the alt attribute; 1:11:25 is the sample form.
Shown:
12:40:07
